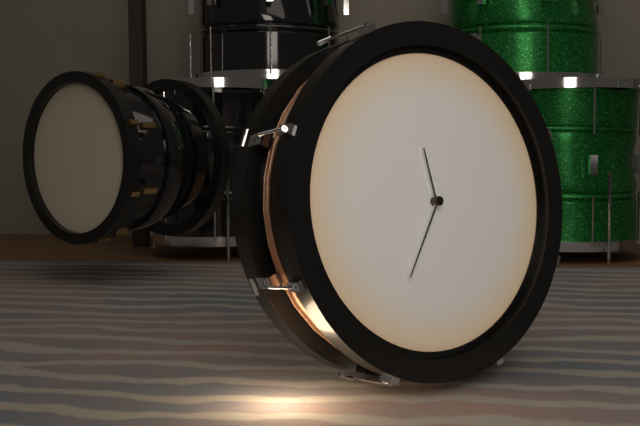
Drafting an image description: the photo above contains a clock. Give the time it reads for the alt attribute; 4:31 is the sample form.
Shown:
11:35
